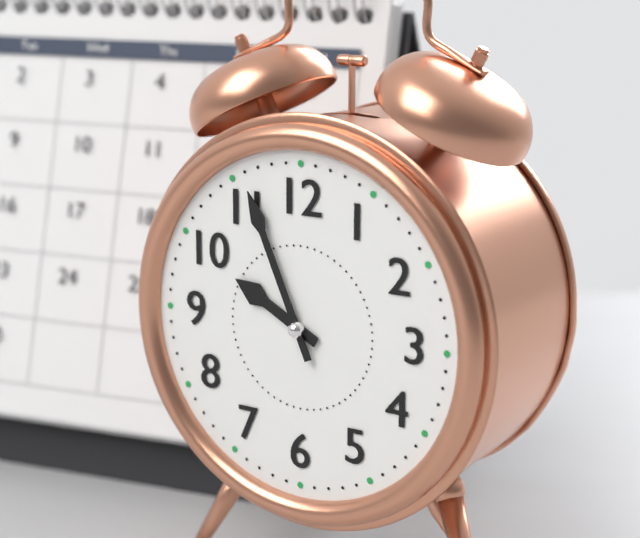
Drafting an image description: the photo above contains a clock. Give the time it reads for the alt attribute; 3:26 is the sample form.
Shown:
9:56
